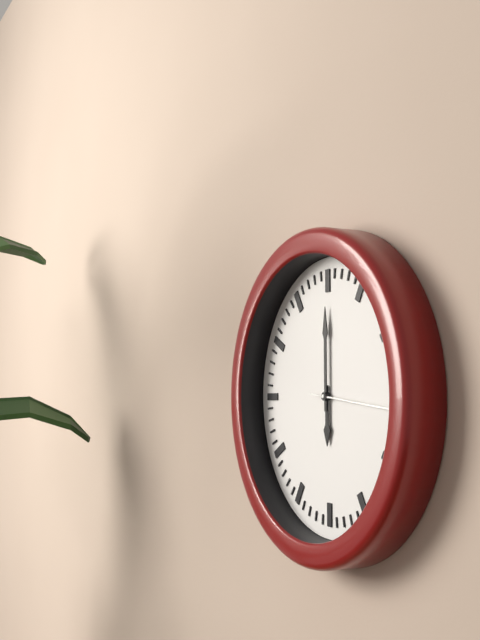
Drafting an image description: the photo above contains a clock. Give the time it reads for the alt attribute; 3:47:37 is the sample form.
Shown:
6:00:16
